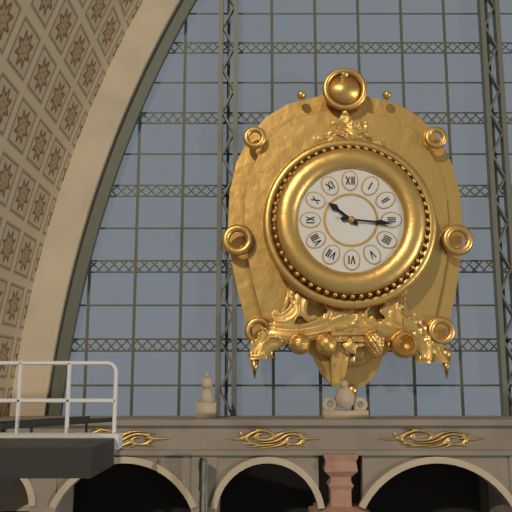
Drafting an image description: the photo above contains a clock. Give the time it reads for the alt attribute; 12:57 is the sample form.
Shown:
10:16
